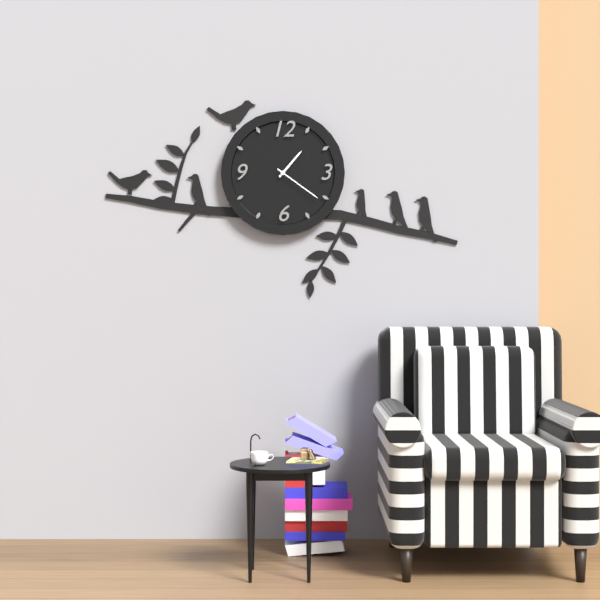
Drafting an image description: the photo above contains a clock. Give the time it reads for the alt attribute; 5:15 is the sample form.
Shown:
1:21
